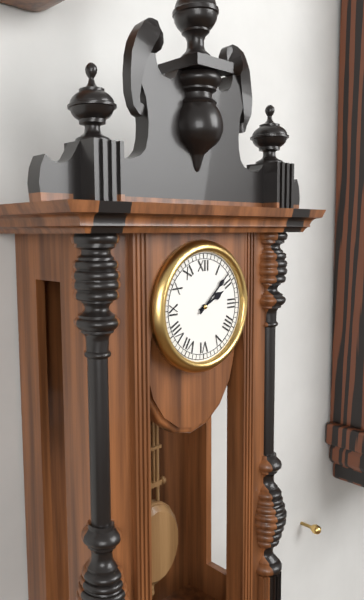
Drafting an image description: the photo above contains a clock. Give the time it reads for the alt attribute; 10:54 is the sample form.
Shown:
2:08
